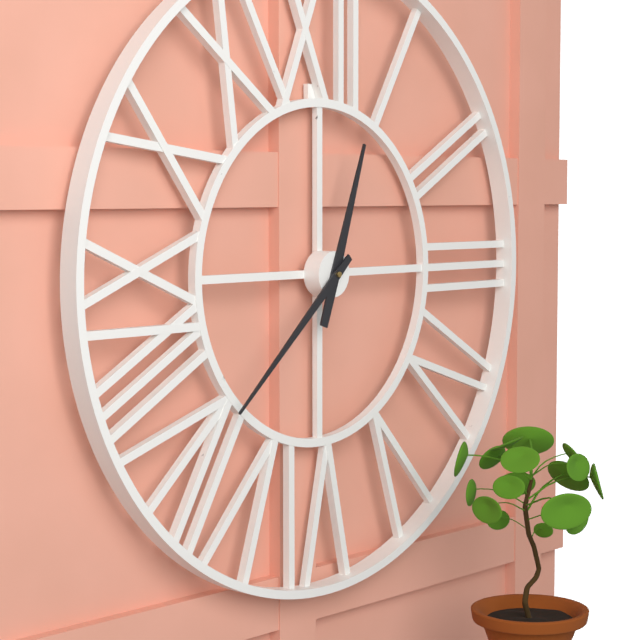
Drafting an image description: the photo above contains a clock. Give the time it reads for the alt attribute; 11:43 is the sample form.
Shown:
12:38
